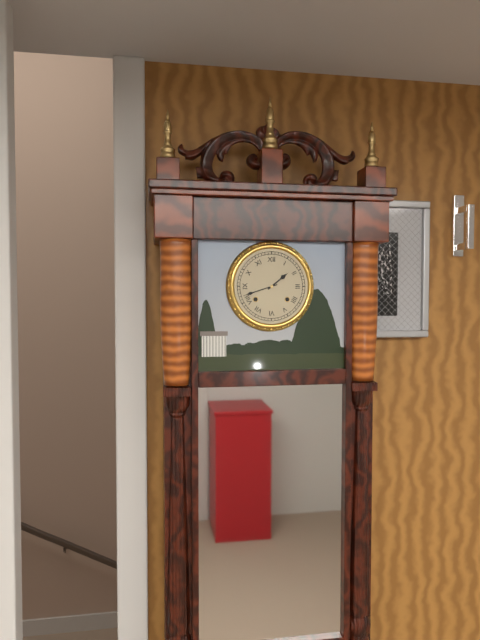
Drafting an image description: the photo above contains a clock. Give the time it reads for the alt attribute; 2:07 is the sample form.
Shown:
1:42
